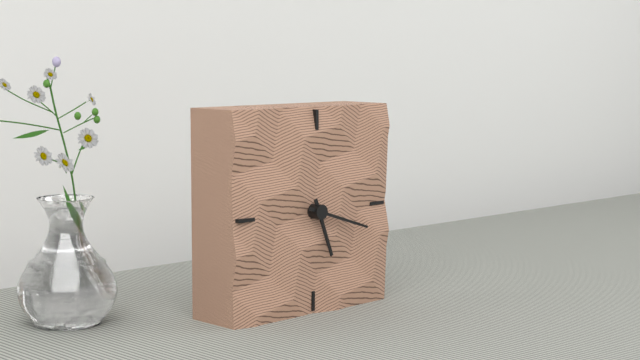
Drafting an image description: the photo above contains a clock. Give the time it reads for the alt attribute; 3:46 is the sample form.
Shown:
5:18
